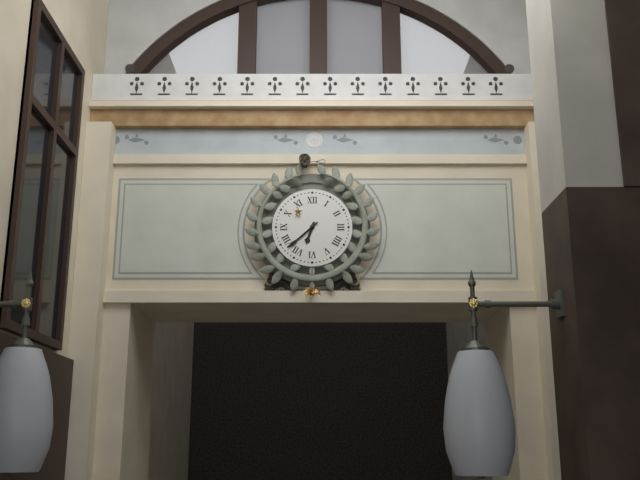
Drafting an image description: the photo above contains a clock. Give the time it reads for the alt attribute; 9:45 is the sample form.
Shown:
6:38
